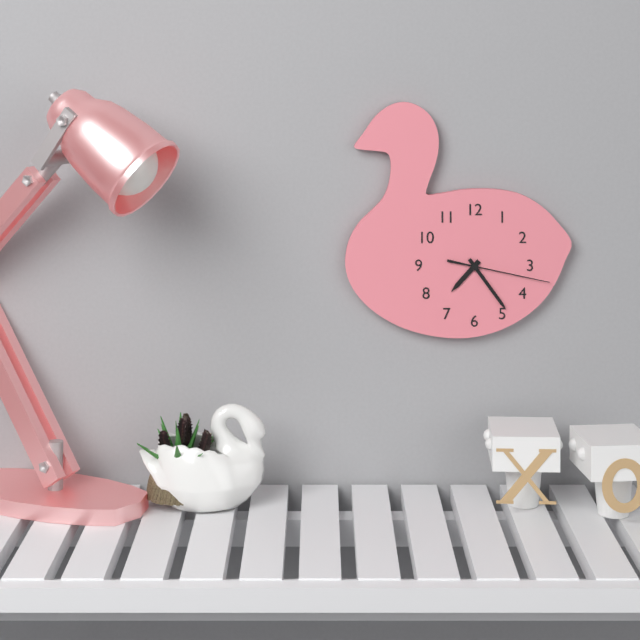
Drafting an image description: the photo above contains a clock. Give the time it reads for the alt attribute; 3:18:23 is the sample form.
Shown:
7:24:17
